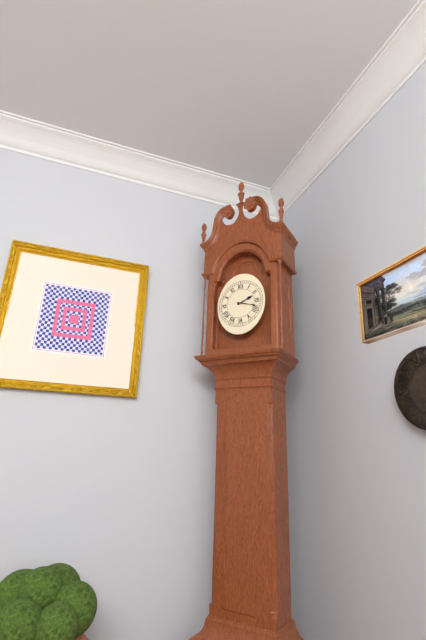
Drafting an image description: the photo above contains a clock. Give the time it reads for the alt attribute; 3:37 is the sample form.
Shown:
2:18
